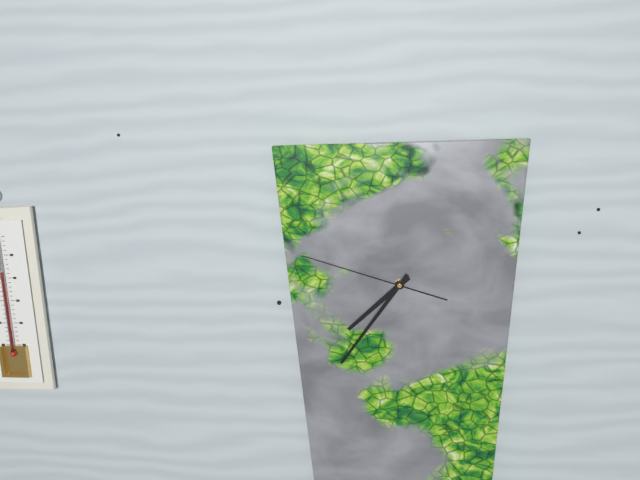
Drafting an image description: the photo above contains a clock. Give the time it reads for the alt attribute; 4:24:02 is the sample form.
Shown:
7:36:48
